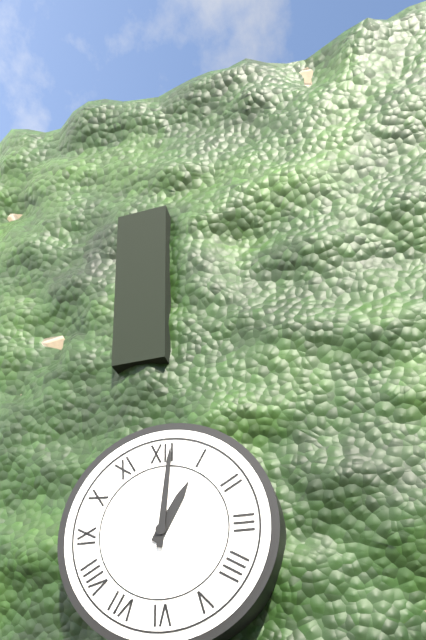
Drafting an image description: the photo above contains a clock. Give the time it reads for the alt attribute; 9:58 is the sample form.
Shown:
1:01
